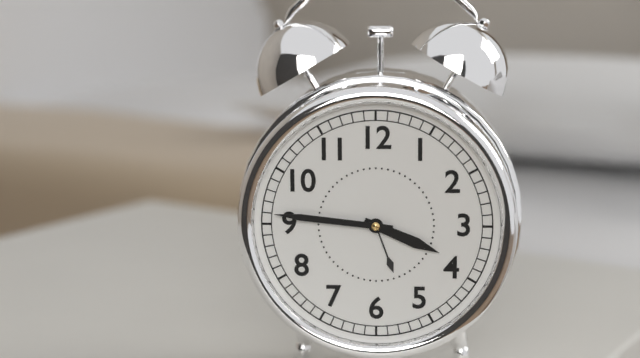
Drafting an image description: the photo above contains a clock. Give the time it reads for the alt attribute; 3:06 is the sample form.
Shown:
3:46
